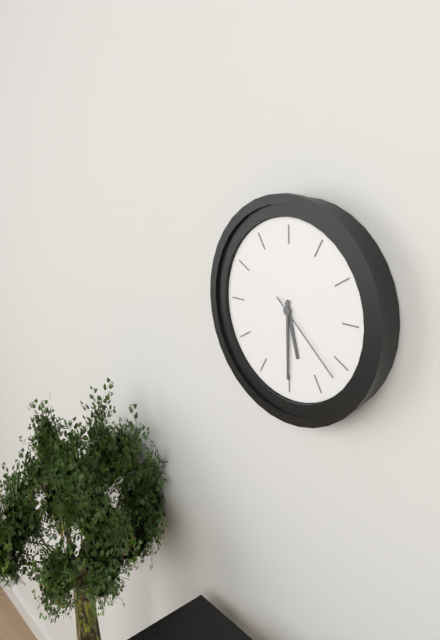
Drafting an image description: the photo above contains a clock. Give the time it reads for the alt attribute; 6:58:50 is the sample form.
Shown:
5:30:22
